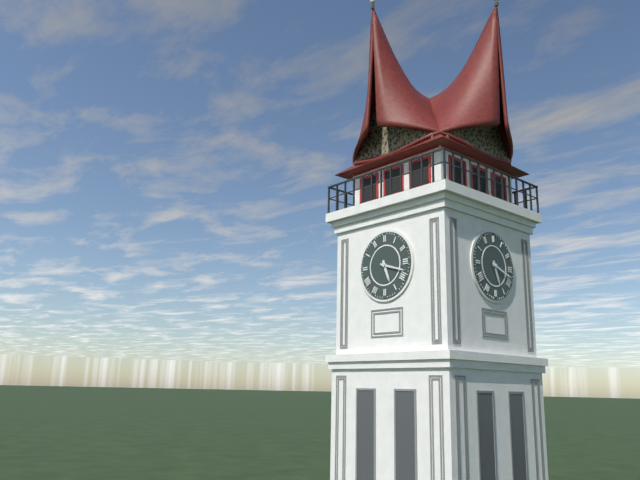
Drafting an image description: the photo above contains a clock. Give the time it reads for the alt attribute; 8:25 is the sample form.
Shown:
5:18
